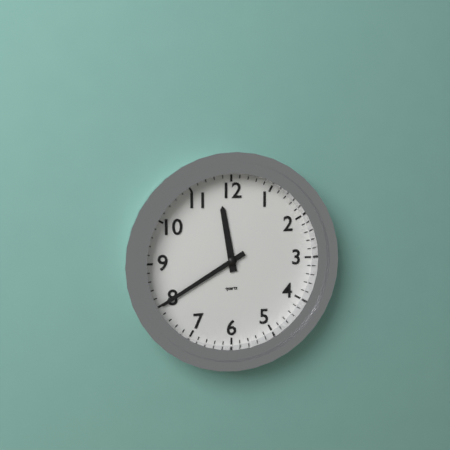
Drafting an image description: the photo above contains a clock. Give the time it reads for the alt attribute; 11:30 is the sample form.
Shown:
11:40
